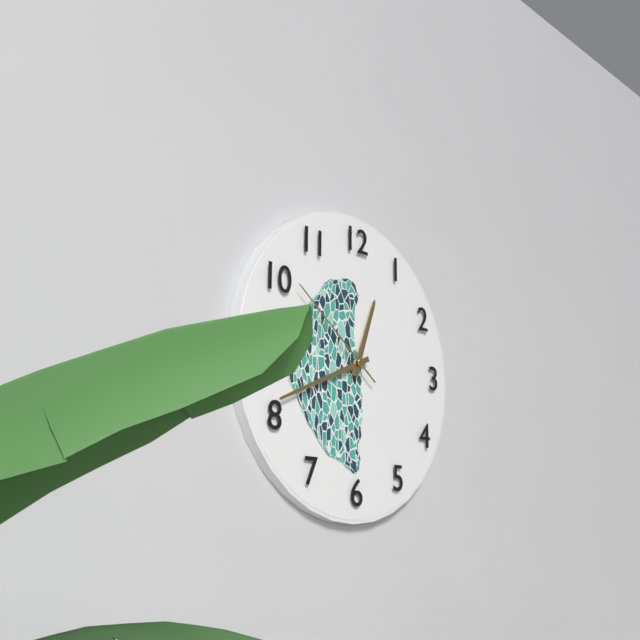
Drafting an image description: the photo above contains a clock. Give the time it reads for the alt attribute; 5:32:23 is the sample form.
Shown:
12:41:51
